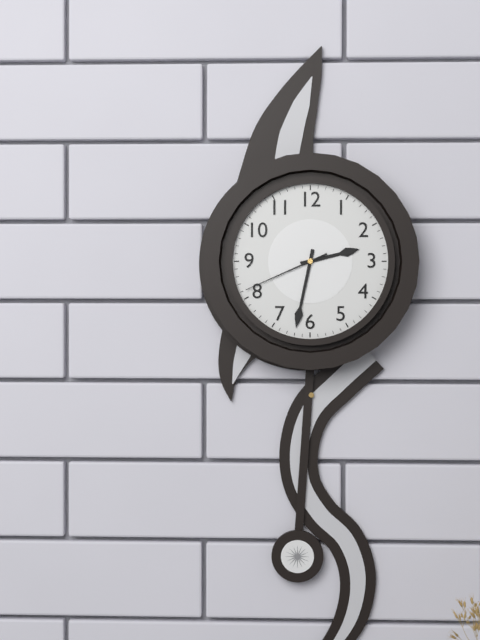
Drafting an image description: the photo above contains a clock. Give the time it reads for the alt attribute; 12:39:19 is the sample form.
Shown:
2:32:41
